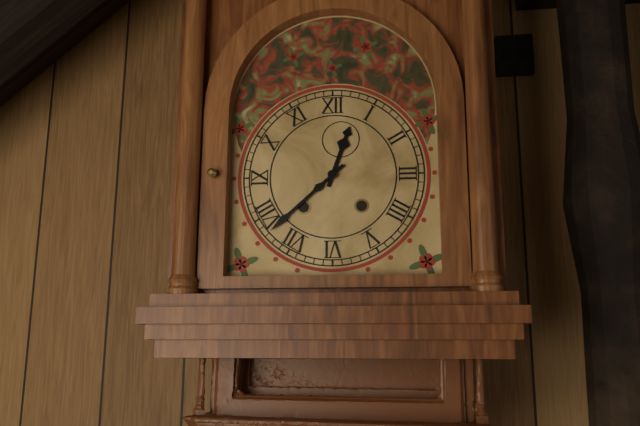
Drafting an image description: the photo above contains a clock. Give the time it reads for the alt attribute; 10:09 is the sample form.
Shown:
12:38
